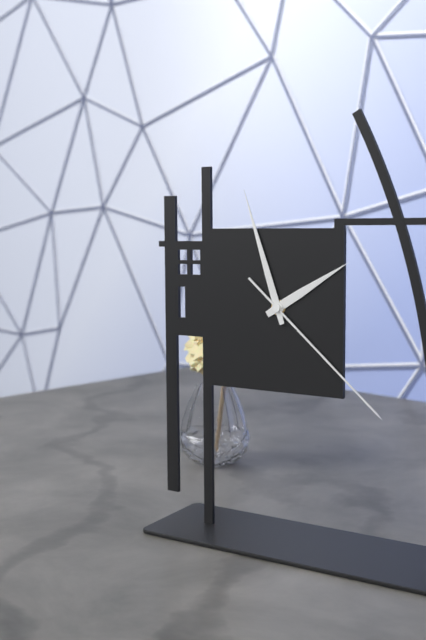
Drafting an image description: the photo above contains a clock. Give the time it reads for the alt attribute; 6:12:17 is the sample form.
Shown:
1:57:22
